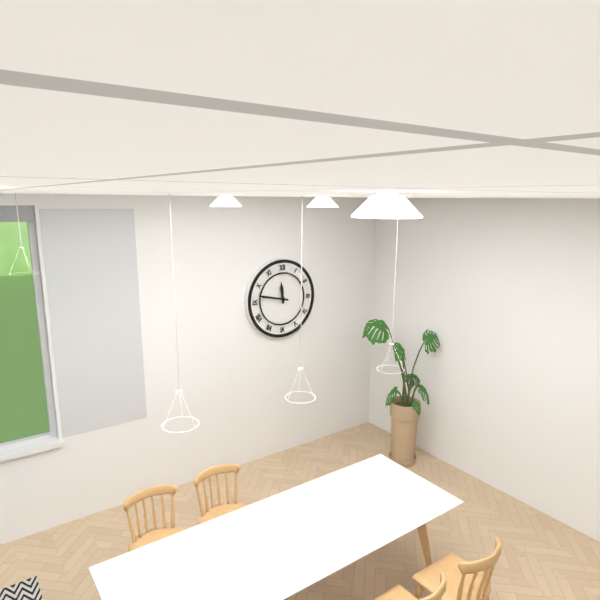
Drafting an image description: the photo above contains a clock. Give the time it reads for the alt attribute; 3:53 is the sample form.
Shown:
11:47
